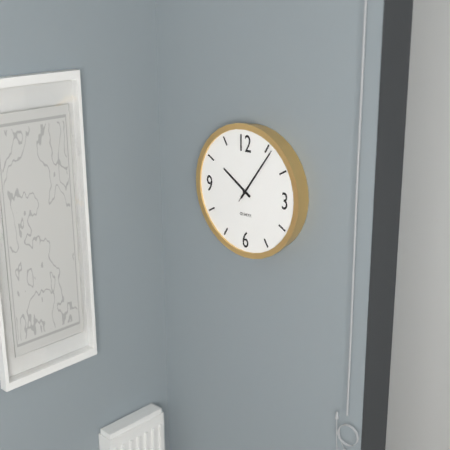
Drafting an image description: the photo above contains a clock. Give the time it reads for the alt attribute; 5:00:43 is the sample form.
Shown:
10:06:06
